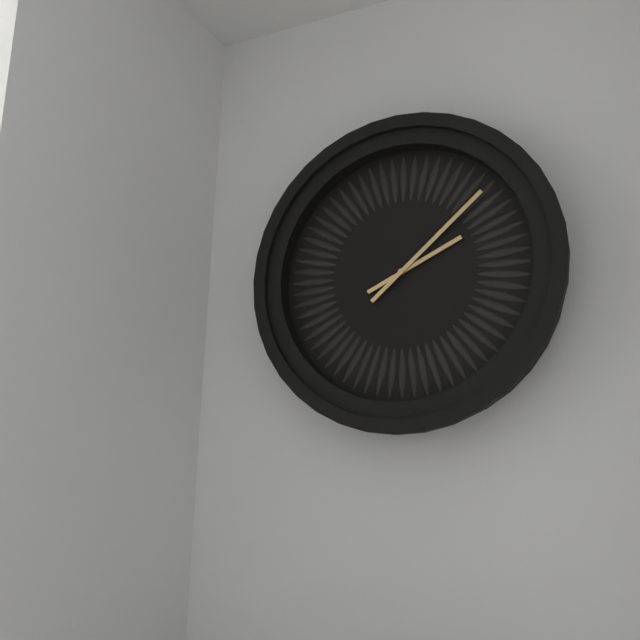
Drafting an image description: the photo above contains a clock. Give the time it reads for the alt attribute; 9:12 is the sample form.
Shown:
2:08
